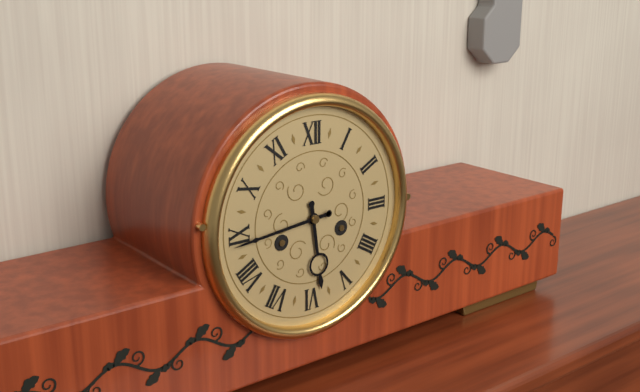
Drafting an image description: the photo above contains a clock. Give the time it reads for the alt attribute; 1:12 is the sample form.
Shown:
5:44
